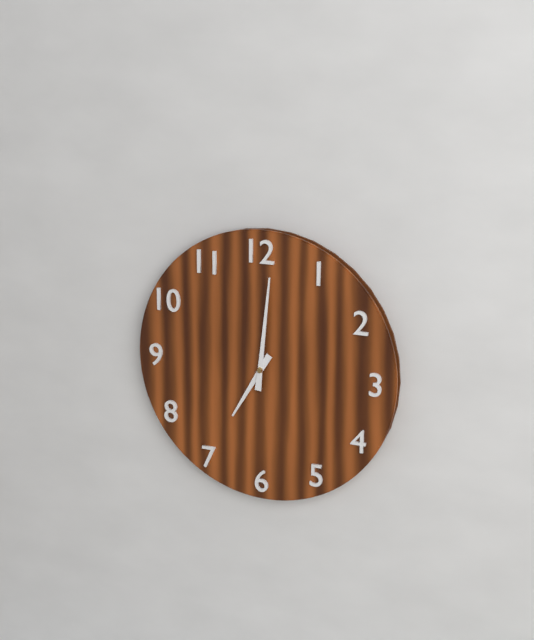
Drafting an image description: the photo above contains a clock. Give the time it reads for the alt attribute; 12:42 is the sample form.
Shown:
7:01
